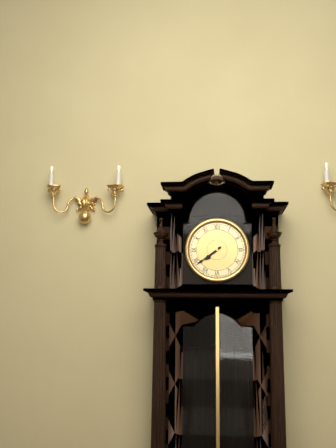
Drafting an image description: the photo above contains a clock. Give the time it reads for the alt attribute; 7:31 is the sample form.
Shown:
7:39
